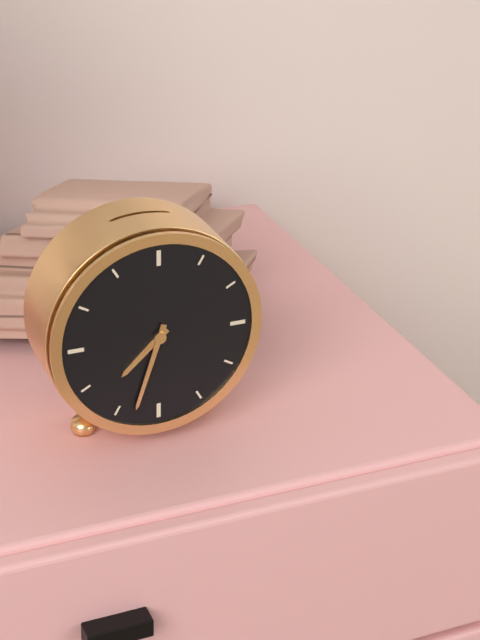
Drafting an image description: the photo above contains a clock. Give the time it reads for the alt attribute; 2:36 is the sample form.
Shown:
7:33
